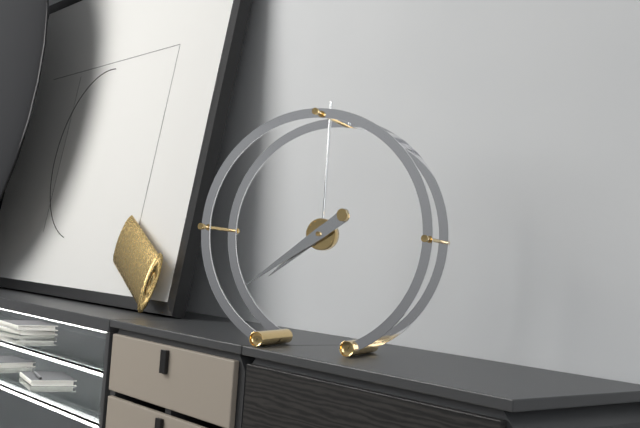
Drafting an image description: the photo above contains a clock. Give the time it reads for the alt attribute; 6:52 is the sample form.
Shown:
7:39
